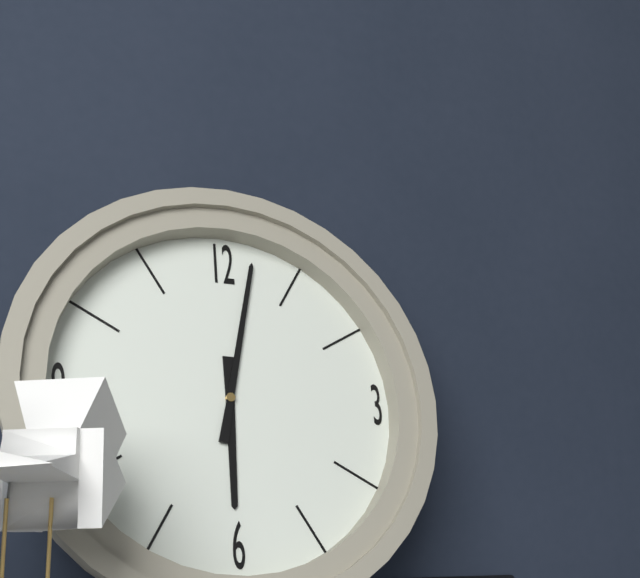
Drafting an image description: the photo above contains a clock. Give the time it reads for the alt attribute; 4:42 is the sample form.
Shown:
6:02
